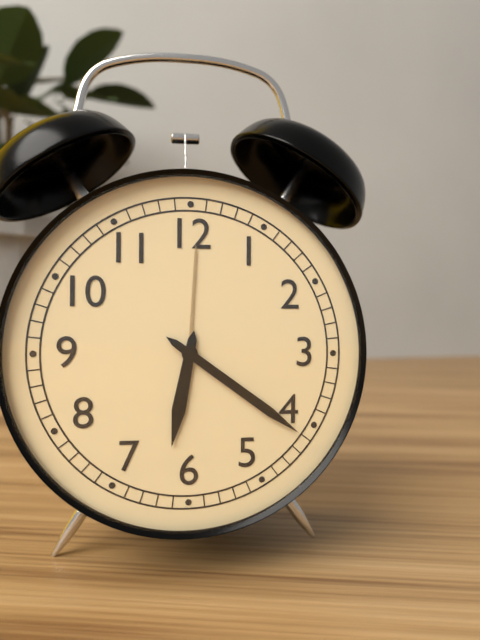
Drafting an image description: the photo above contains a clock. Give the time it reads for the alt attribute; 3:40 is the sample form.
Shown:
6:21
